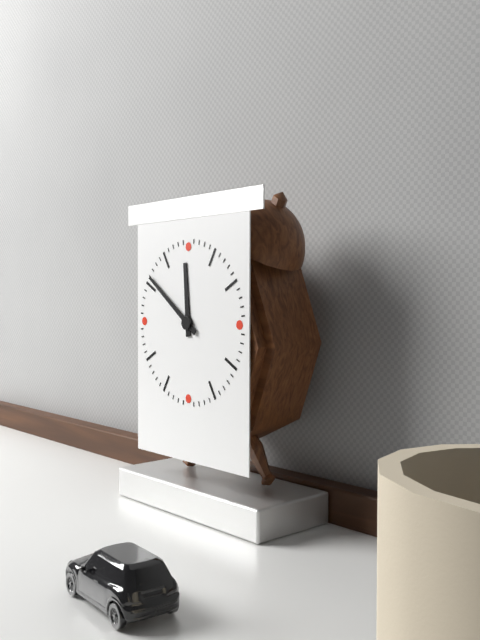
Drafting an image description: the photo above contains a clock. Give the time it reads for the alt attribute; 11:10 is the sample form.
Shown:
11:51
